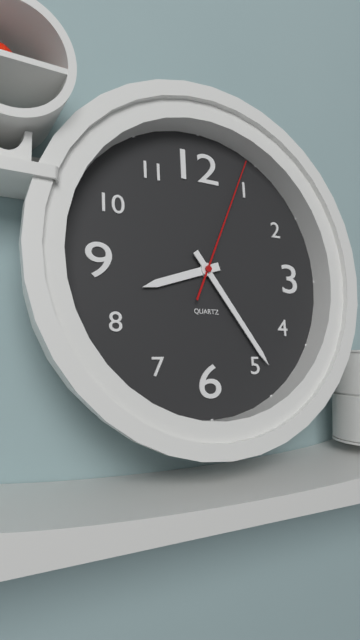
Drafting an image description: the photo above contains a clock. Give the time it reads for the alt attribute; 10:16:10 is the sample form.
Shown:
8:24:04
